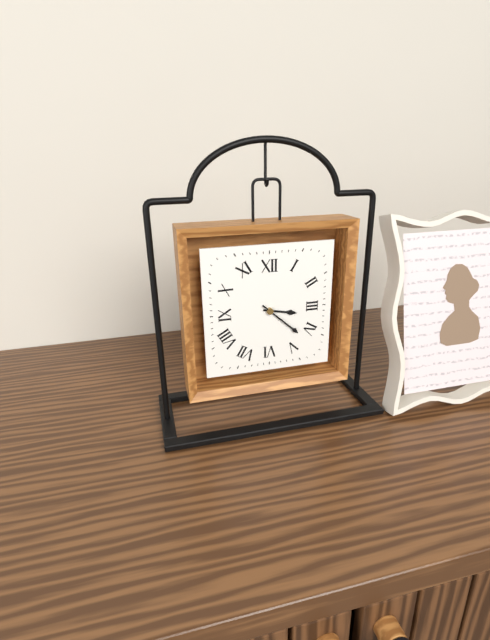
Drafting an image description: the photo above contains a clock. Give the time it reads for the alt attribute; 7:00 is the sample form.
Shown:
3:22
